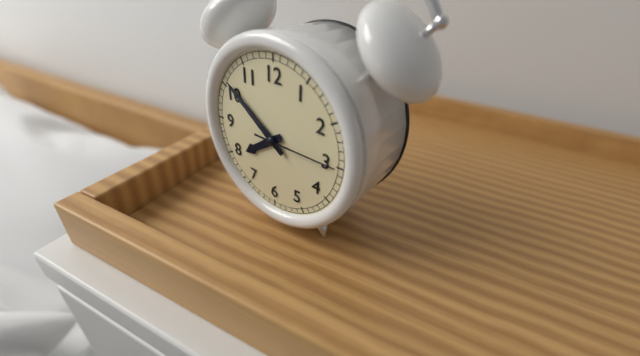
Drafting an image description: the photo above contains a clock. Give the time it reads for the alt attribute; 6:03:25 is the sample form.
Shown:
7:51:15
